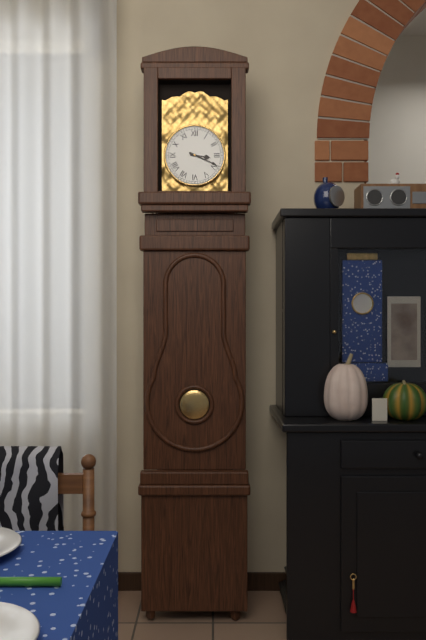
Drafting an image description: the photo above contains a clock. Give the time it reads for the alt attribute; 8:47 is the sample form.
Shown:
3:19
